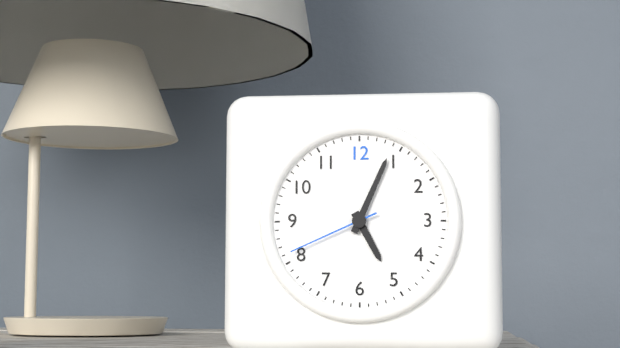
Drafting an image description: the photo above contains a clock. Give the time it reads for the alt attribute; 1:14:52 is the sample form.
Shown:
5:04:41
